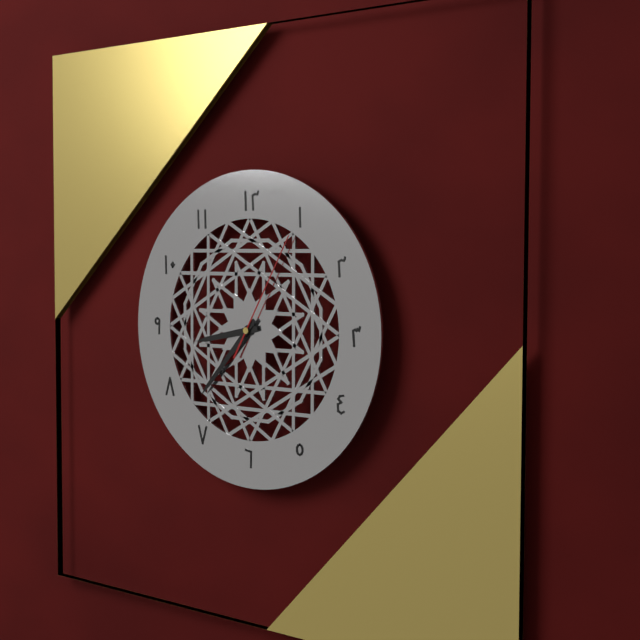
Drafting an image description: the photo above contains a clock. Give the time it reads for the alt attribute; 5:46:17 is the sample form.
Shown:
8:37:05
